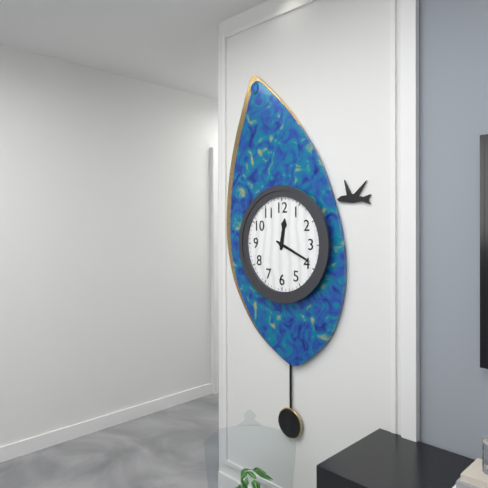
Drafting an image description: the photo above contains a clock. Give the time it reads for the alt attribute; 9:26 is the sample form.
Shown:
12:19
